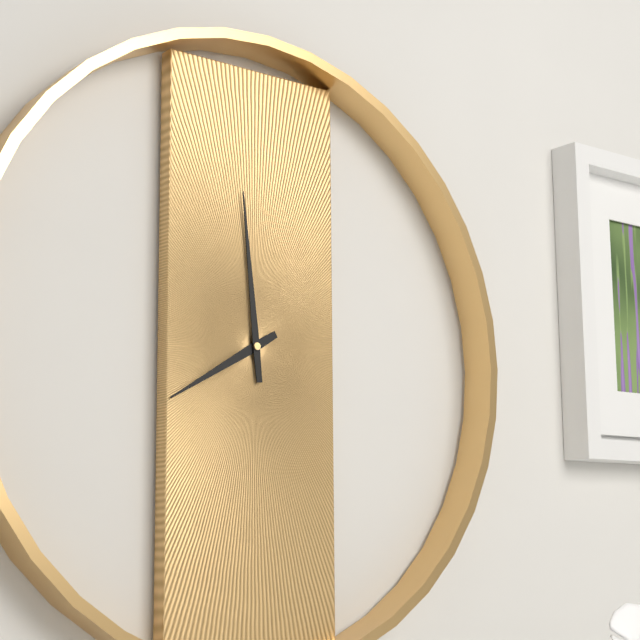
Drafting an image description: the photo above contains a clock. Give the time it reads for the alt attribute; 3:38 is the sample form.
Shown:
7:59
